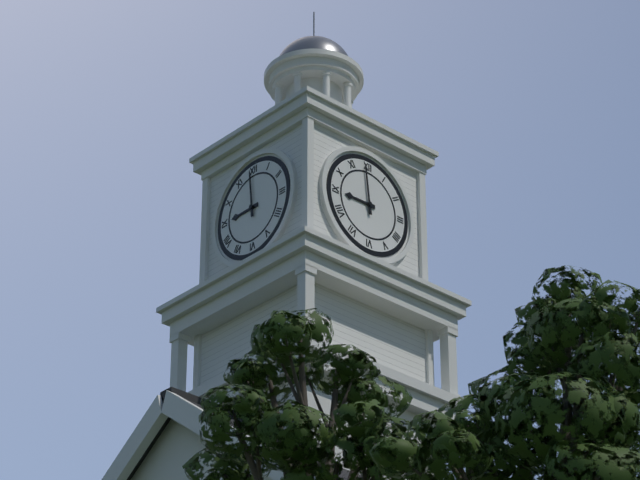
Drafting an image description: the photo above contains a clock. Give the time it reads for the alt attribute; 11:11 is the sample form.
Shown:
8:59
